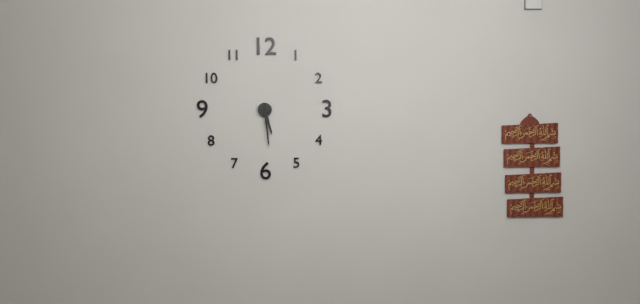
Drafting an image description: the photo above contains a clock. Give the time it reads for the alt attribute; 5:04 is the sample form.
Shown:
5:29
